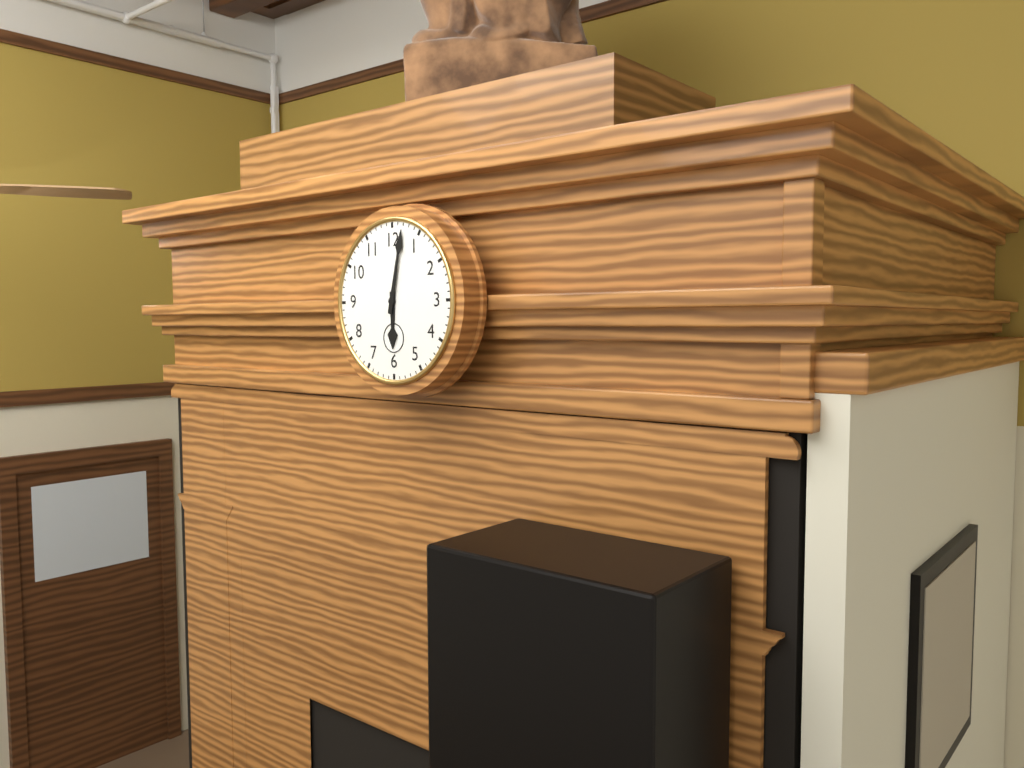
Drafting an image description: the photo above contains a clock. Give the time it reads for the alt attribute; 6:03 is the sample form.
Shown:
6:02
